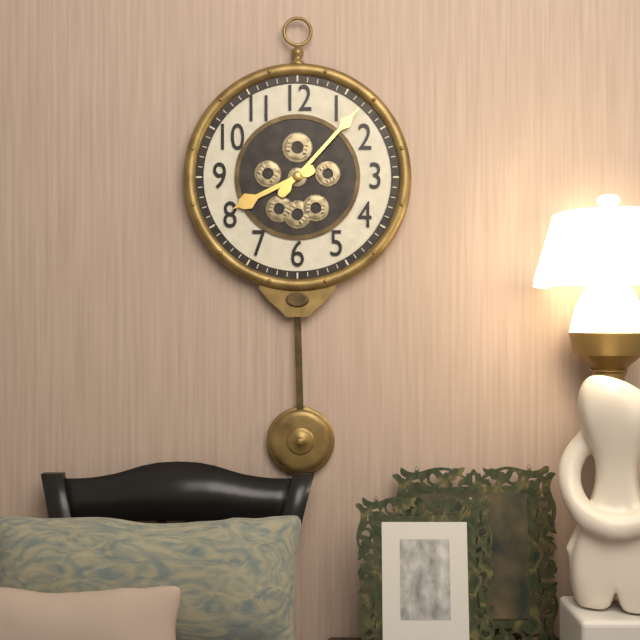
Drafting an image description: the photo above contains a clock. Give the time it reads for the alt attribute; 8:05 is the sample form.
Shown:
8:07
